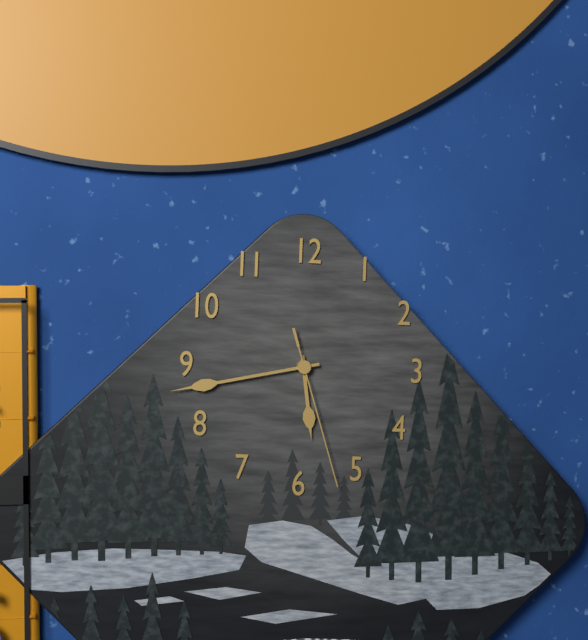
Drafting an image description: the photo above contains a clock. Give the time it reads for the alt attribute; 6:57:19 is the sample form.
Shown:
5:43:27
